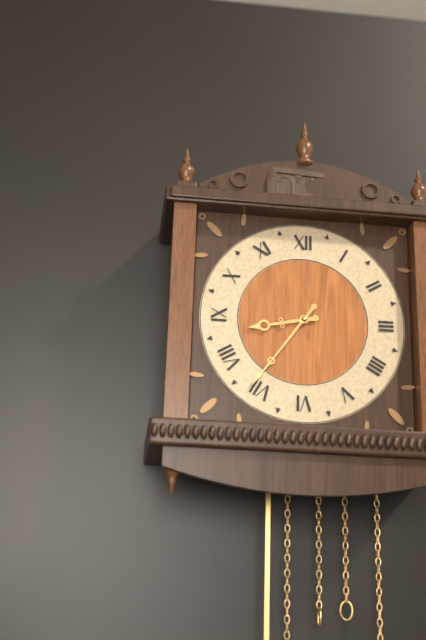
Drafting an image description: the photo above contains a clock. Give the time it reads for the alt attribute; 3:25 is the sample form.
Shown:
8:36
